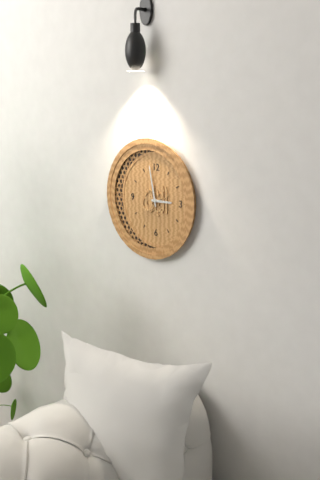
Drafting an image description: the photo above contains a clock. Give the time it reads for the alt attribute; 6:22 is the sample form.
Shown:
2:58
